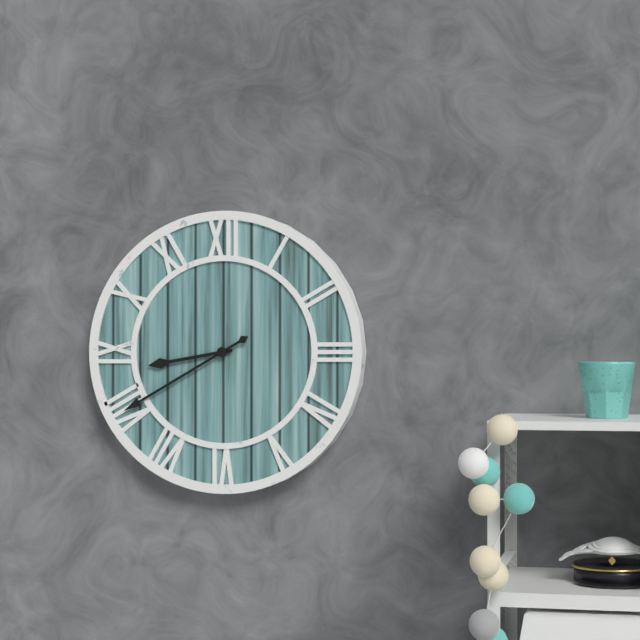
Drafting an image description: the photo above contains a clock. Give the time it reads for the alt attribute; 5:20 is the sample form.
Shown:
8:40
